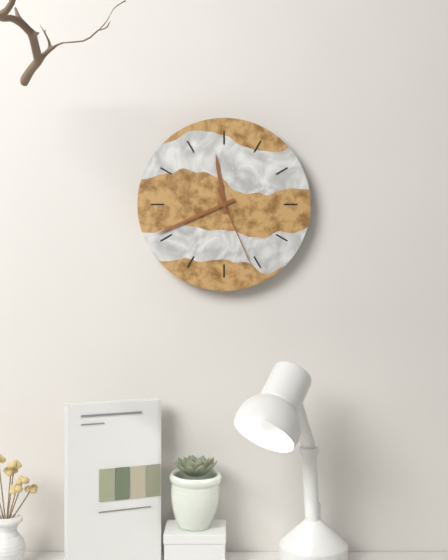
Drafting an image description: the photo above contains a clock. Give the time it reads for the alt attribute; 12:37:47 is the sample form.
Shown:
11:41:26
